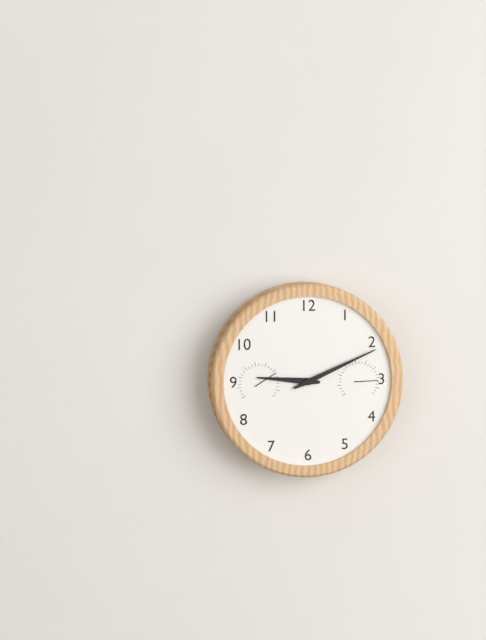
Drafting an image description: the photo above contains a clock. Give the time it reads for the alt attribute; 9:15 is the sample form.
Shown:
9:11
